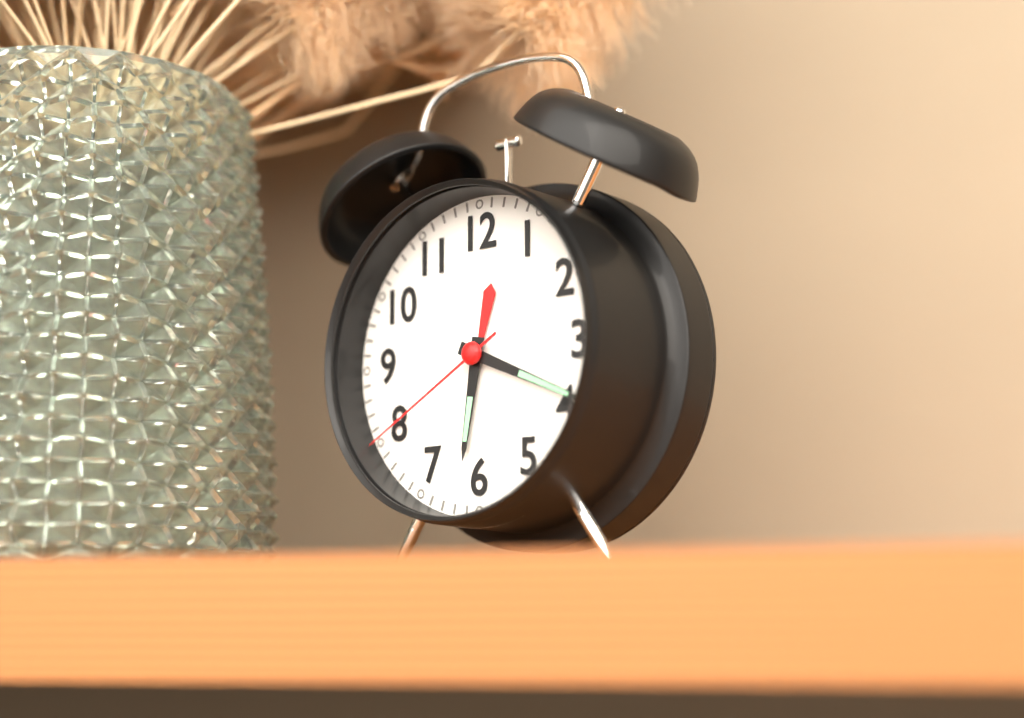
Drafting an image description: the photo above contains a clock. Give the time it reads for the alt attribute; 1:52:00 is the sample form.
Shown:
6:19:40
